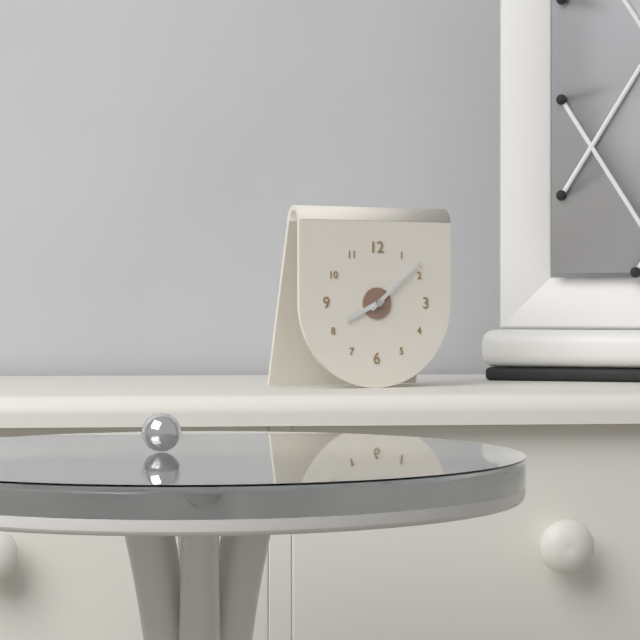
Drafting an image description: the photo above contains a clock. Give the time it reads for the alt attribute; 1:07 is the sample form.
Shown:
8:08
